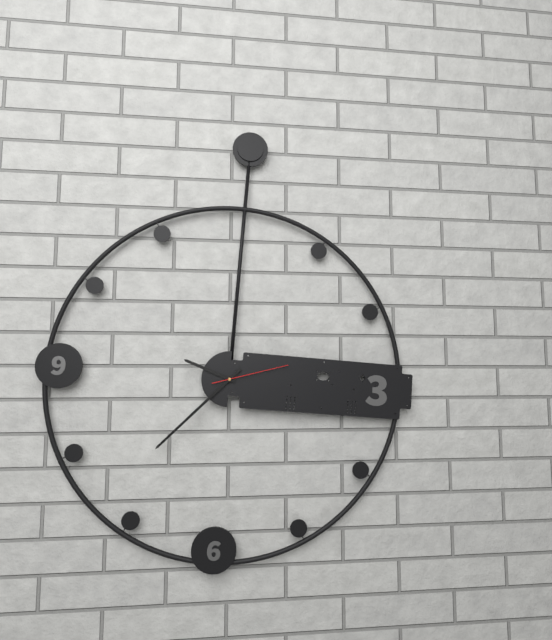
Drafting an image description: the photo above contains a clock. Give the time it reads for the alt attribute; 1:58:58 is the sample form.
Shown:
9:37:12
